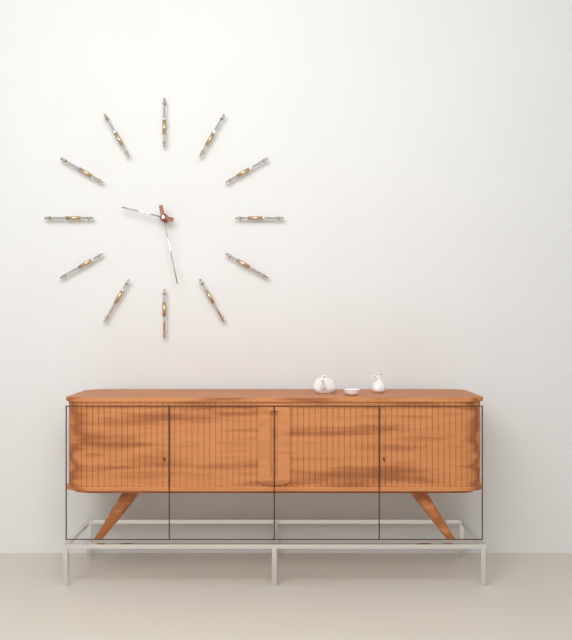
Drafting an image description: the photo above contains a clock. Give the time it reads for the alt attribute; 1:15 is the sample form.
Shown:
9:28
